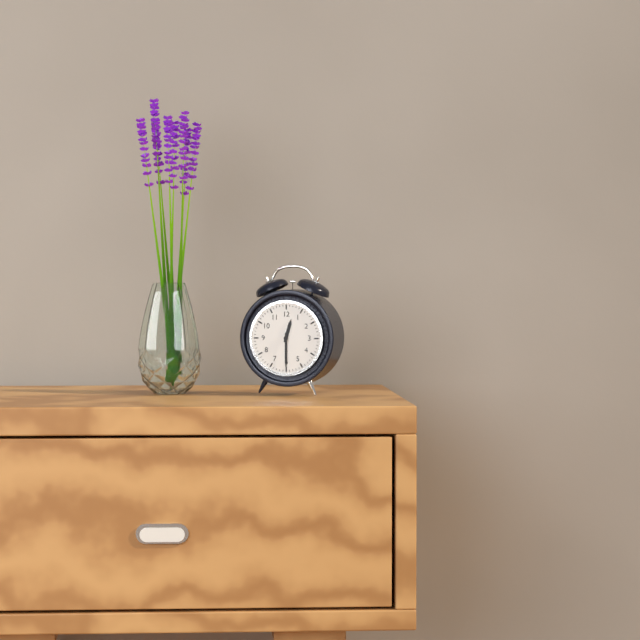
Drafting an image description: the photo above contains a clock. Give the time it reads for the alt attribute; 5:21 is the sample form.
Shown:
12:30
